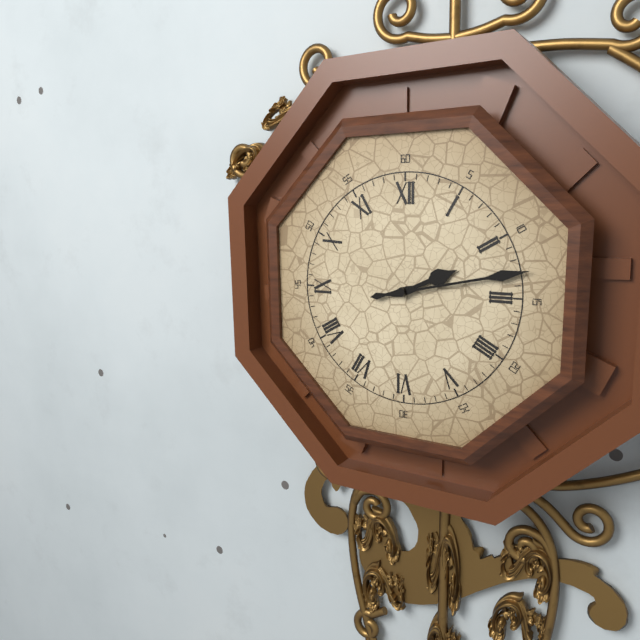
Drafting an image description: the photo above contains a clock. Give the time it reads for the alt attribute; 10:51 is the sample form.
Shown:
2:13
